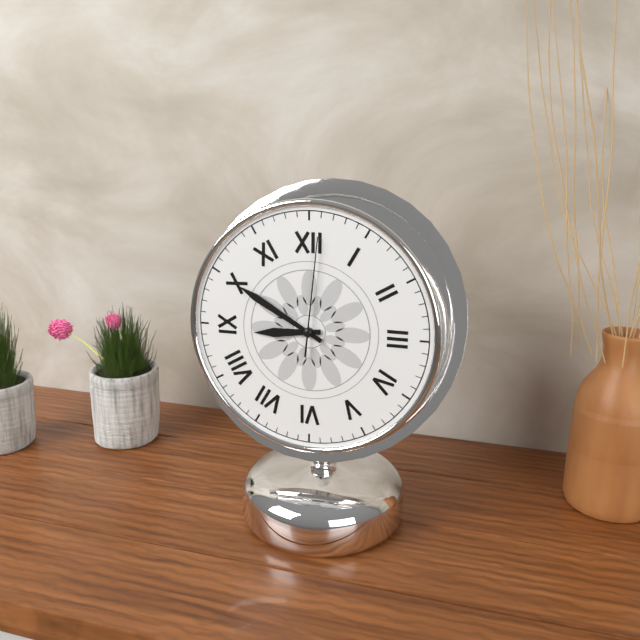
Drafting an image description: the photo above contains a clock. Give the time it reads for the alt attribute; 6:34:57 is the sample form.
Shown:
8:50:01
